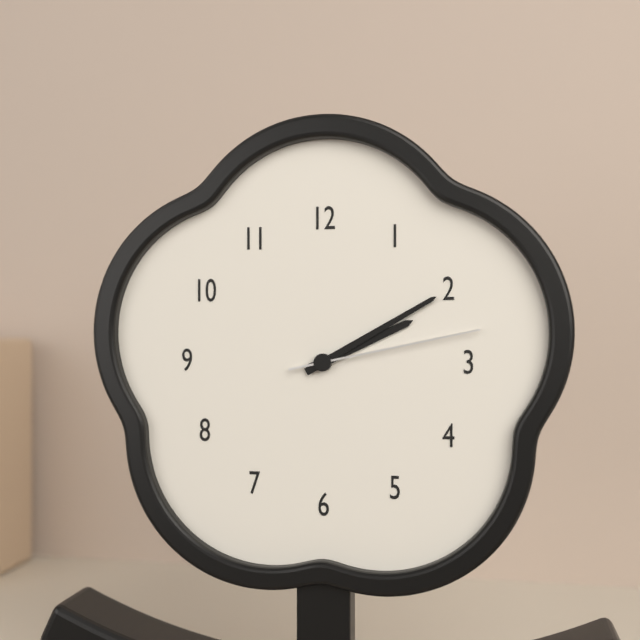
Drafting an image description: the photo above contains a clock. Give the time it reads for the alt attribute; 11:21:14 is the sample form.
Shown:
2:10:13
